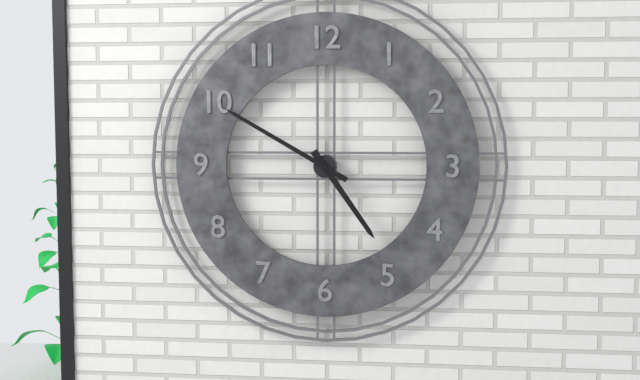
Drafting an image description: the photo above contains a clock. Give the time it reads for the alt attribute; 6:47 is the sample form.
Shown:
4:50
